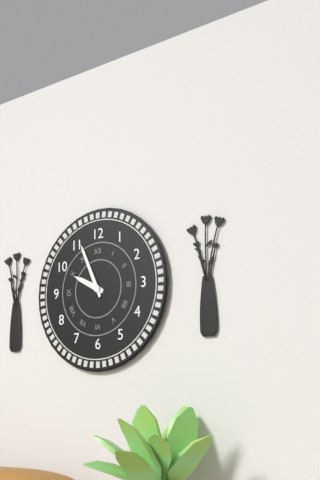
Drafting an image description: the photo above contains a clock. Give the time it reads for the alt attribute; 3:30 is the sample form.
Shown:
9:56
